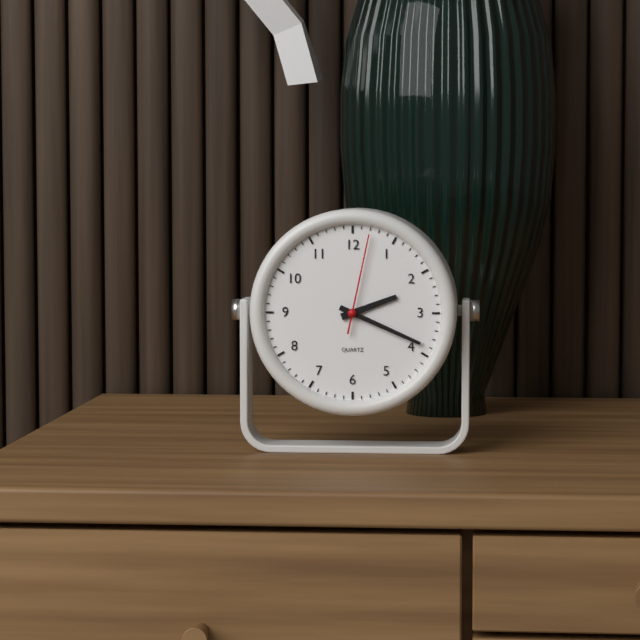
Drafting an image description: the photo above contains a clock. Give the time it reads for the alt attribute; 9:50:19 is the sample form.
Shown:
2:19:02
